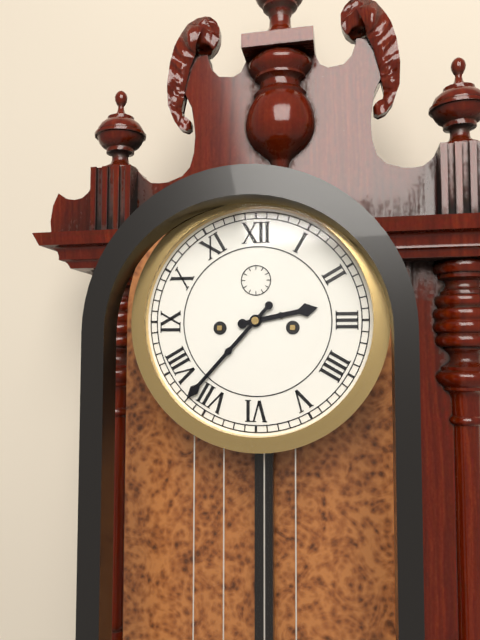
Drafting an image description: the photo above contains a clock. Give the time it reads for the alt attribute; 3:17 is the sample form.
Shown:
2:37
